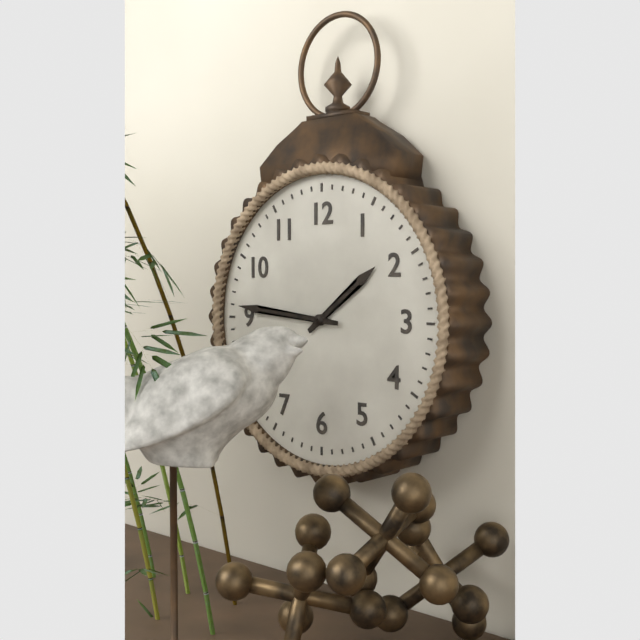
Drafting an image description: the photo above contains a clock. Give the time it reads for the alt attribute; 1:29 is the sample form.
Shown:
1:46
